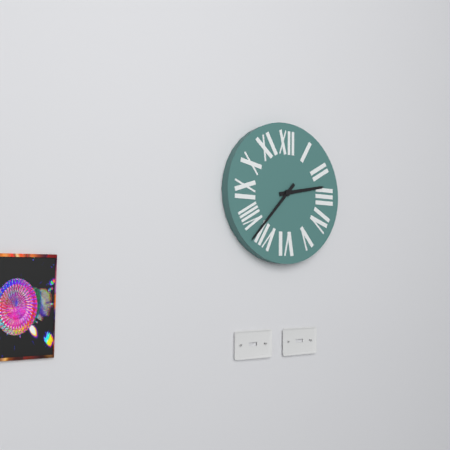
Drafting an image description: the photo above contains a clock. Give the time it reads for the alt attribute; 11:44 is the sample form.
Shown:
2:37
